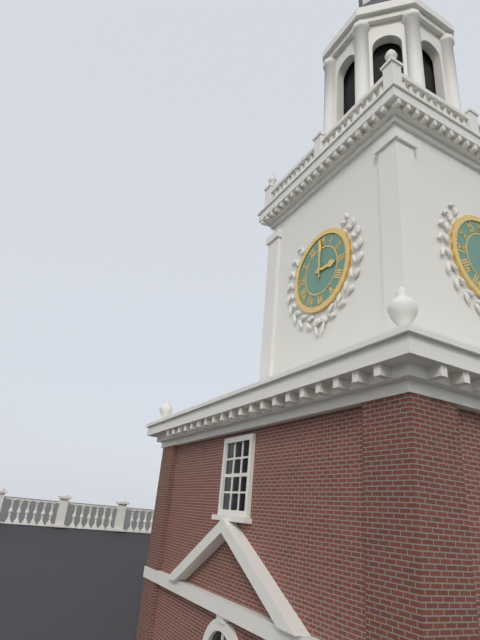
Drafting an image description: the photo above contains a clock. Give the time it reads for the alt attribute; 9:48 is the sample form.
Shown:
3:00
